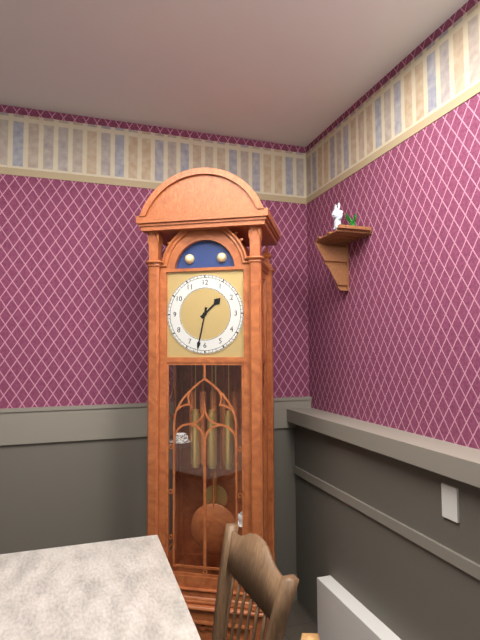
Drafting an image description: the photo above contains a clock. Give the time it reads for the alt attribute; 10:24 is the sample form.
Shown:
1:32
